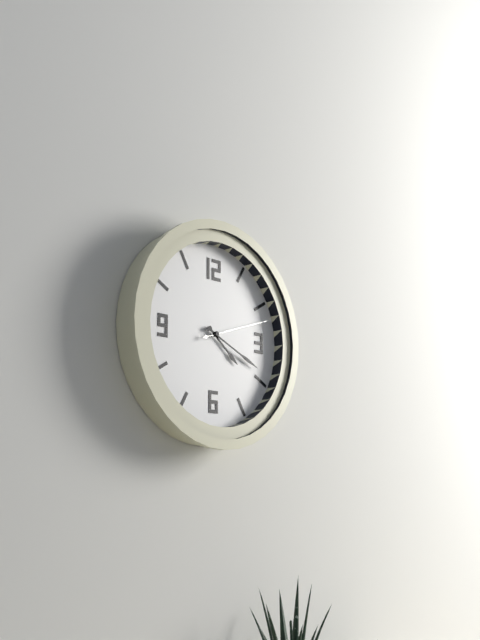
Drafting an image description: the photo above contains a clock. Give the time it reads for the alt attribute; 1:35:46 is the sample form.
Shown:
4:19:12
